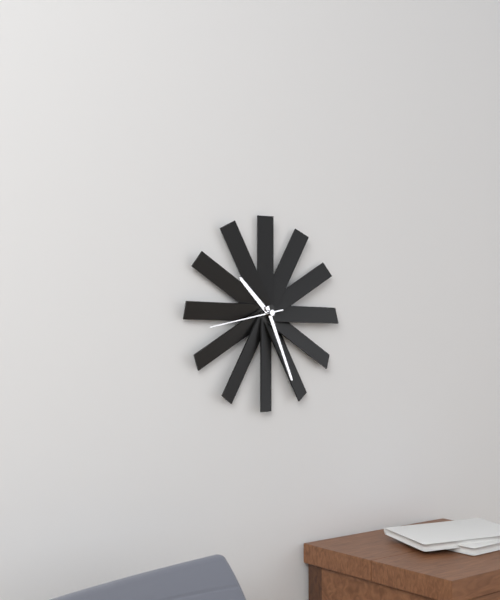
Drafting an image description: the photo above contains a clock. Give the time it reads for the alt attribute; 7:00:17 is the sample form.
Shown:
10:26:43
